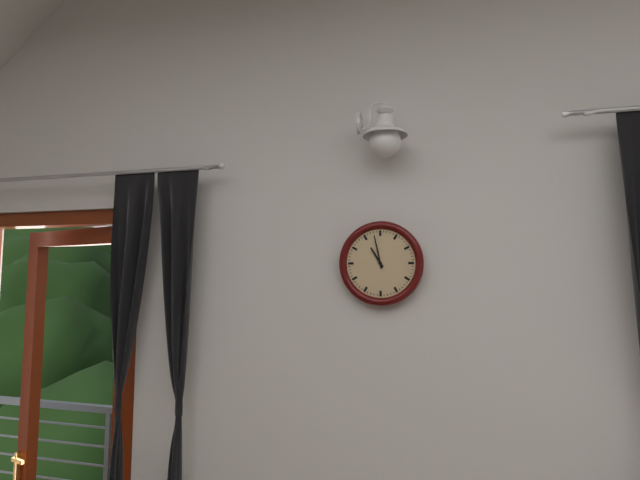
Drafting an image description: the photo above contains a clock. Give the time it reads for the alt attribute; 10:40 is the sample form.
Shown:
10:58
